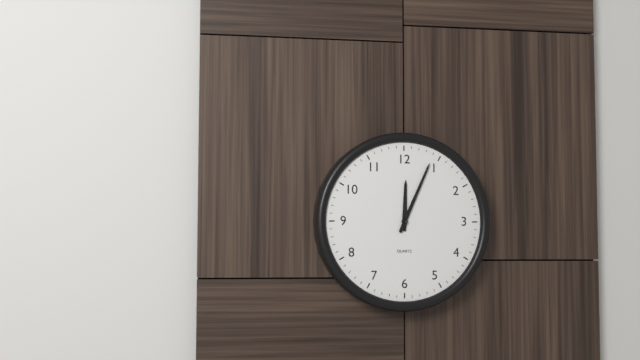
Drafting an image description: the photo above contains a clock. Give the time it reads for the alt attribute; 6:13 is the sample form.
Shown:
12:04
